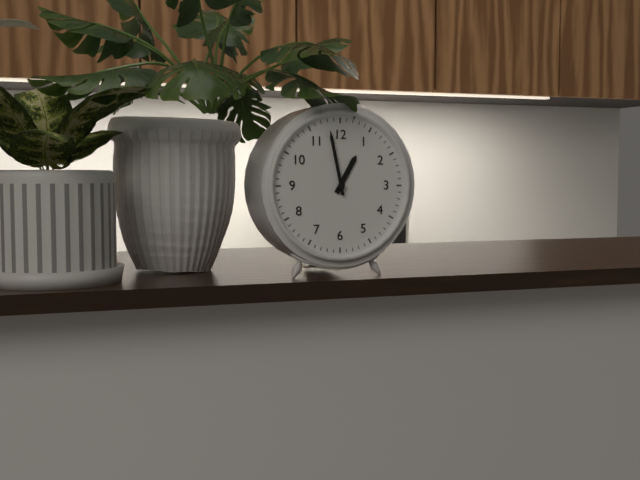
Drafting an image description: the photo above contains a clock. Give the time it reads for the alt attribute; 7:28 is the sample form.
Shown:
12:58
